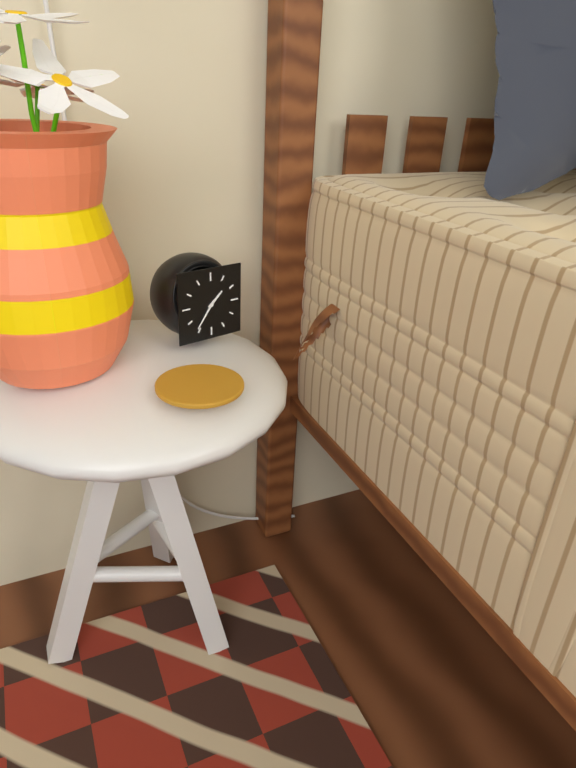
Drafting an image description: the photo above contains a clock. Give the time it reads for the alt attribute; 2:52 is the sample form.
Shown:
1:36
